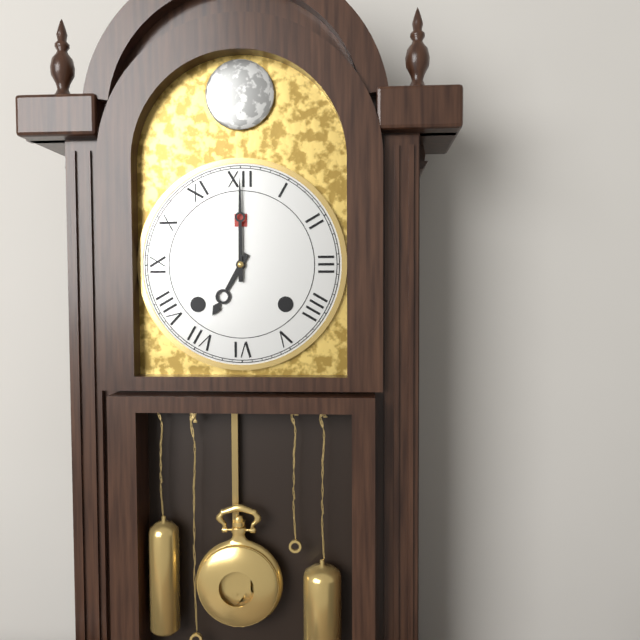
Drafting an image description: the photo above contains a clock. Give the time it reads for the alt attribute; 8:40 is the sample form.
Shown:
7:00
